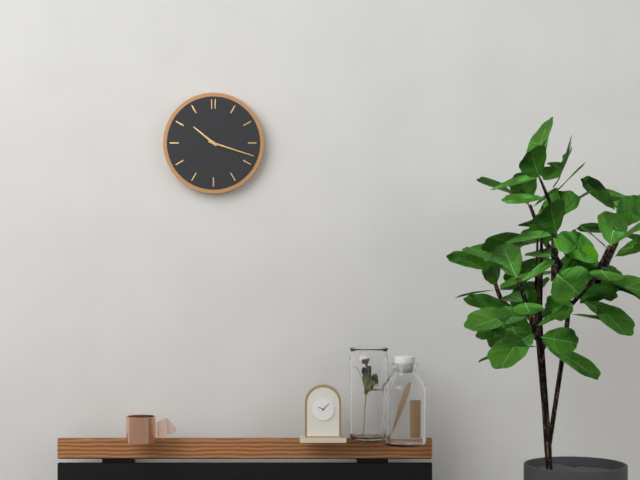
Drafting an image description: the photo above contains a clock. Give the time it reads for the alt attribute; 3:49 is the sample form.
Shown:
10:18
